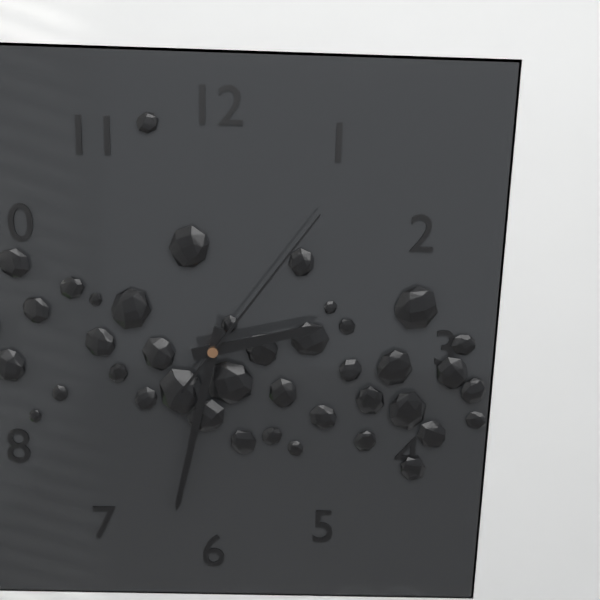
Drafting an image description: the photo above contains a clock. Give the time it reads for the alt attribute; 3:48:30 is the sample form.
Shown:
2:32:06
